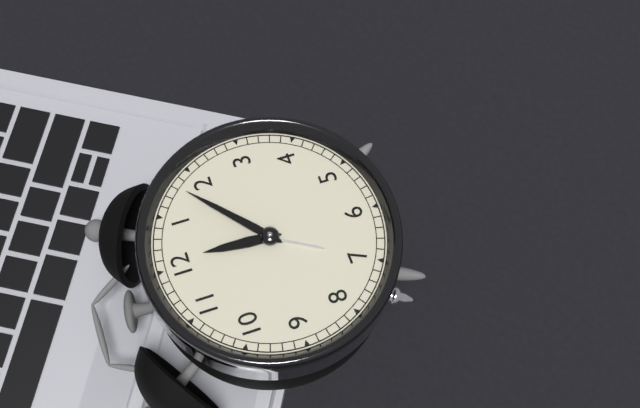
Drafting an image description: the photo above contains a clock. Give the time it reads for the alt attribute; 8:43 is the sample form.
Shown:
12:08
